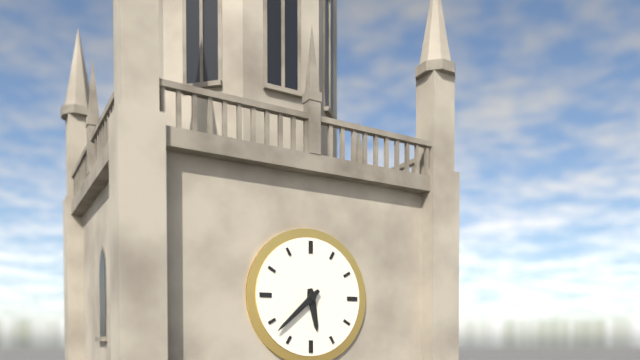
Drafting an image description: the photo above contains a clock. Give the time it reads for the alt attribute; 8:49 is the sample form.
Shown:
5:38
